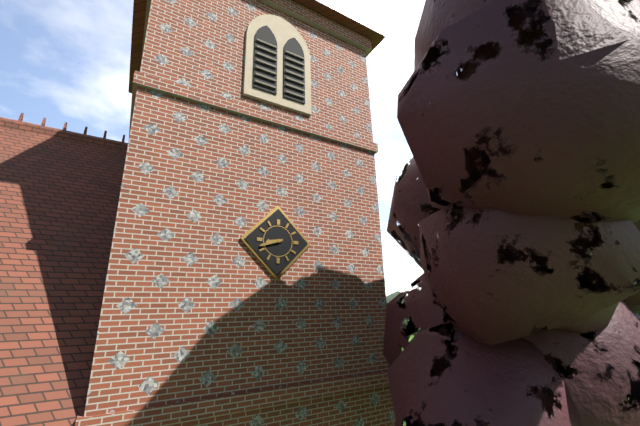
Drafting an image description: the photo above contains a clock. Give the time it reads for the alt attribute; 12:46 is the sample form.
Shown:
8:42
